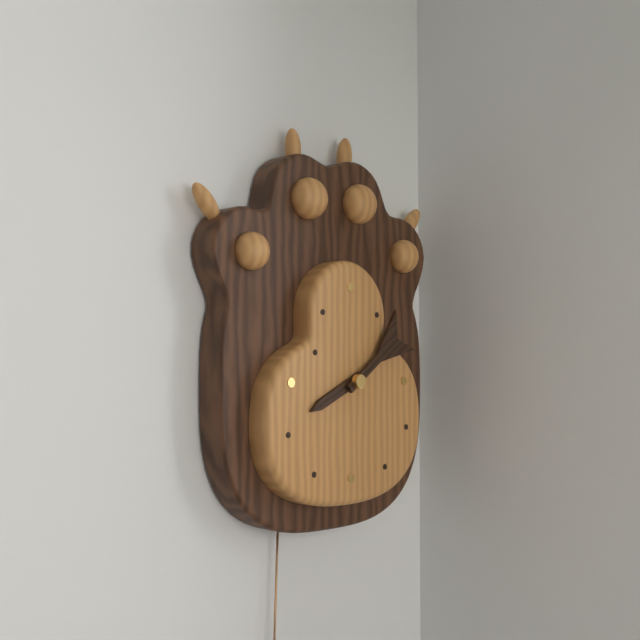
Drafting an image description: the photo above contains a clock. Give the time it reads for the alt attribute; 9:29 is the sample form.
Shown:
8:09
